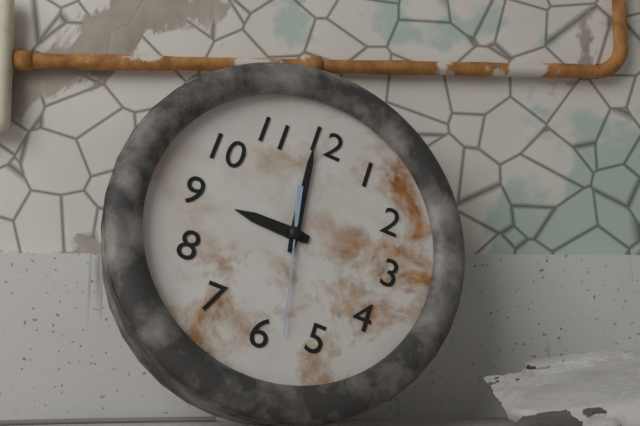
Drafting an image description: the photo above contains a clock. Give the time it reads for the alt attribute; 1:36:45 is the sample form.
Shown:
8:59:28
